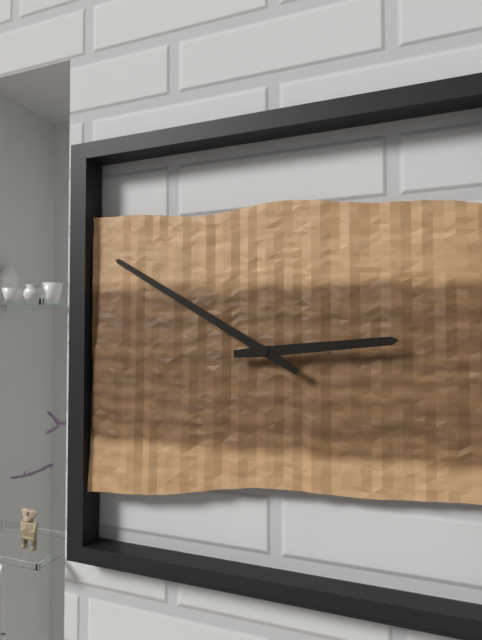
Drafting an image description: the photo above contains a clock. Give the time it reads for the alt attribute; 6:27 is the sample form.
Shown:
2:50
